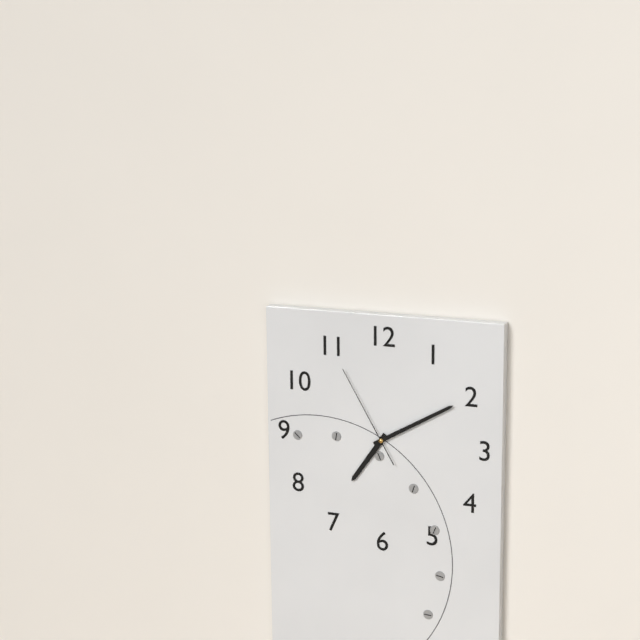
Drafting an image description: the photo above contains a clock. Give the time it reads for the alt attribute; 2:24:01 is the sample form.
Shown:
7:10:55
